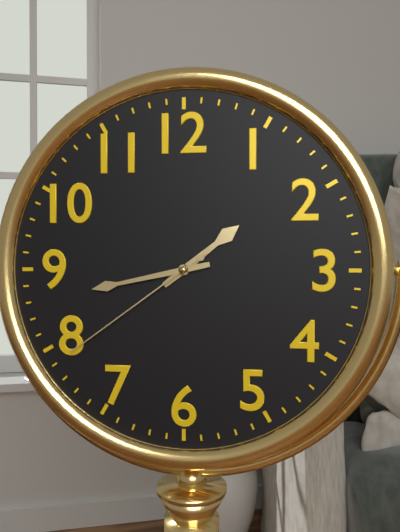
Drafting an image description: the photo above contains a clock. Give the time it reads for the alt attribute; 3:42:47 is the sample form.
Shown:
1:43:39
